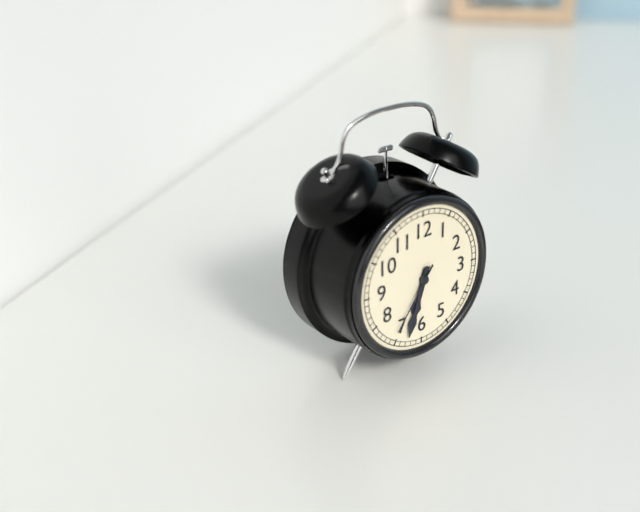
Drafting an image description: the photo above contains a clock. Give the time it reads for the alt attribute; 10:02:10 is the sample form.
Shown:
6:33:36
